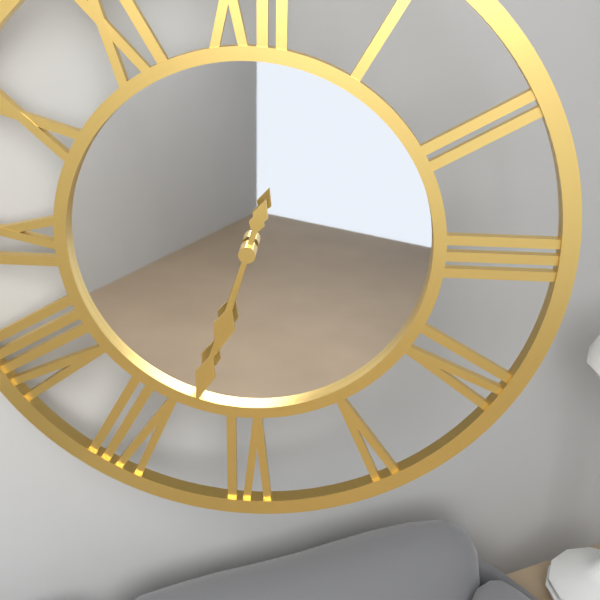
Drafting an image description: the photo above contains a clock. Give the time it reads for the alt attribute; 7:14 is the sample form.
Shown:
6:33
